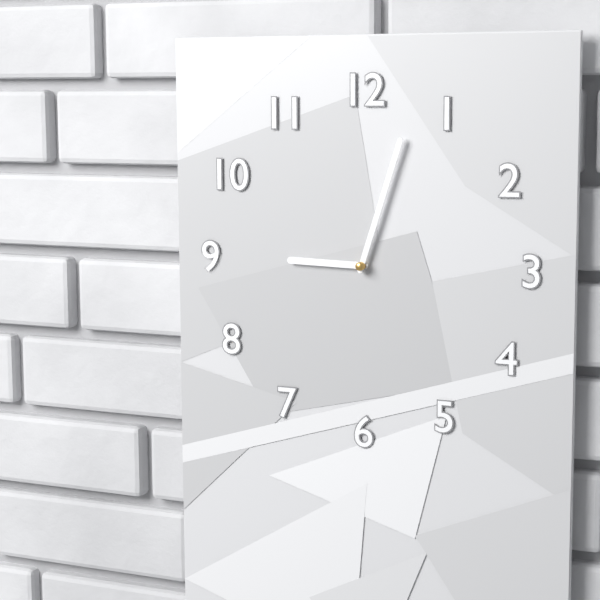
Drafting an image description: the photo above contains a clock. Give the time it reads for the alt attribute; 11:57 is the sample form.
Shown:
9:03
